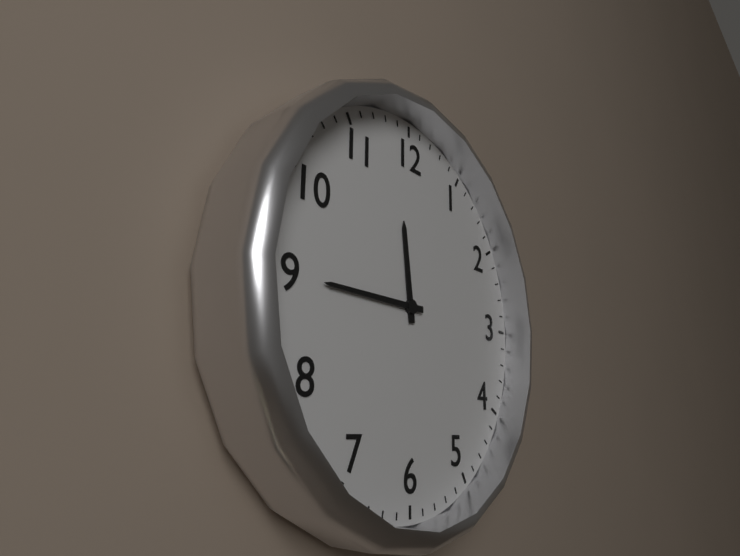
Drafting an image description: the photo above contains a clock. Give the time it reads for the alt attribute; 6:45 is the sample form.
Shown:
11:45
